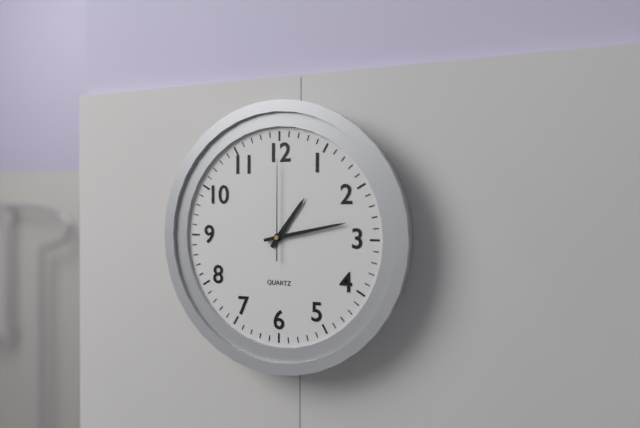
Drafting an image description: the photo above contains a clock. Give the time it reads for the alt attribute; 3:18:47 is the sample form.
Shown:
1:13:00
